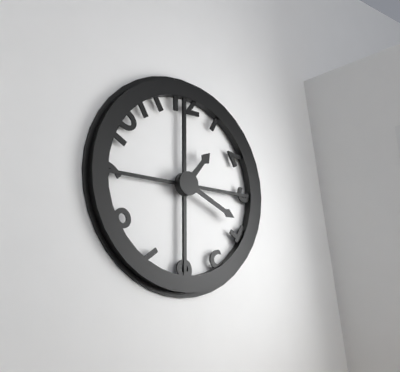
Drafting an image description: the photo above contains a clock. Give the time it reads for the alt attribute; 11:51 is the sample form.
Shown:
1:19
